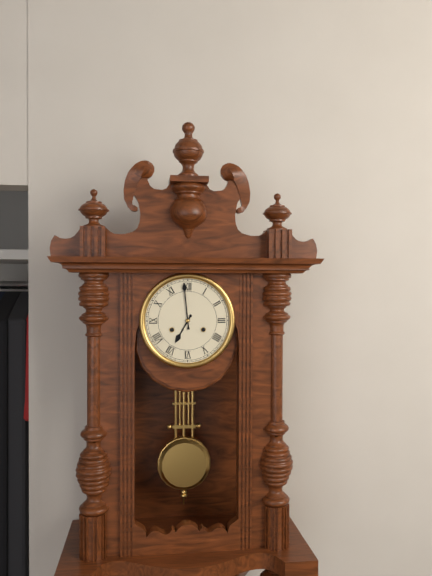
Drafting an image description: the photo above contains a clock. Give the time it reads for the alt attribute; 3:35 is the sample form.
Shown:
6:59
